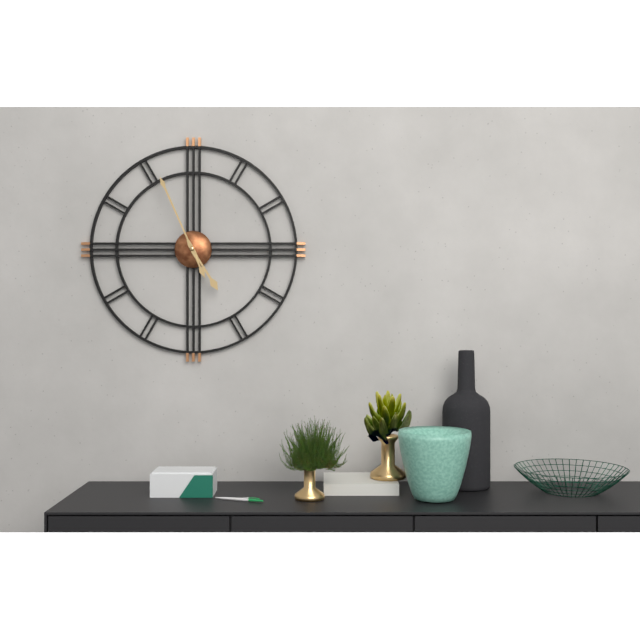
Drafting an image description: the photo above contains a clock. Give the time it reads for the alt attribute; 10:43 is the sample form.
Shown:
4:56
